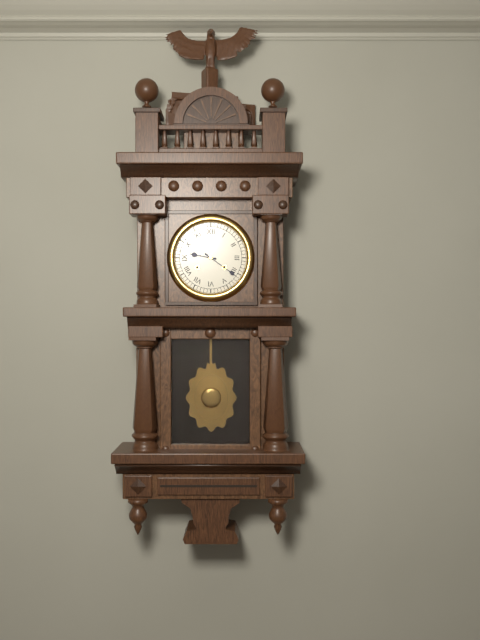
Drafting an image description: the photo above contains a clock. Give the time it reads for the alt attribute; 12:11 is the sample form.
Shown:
9:21
